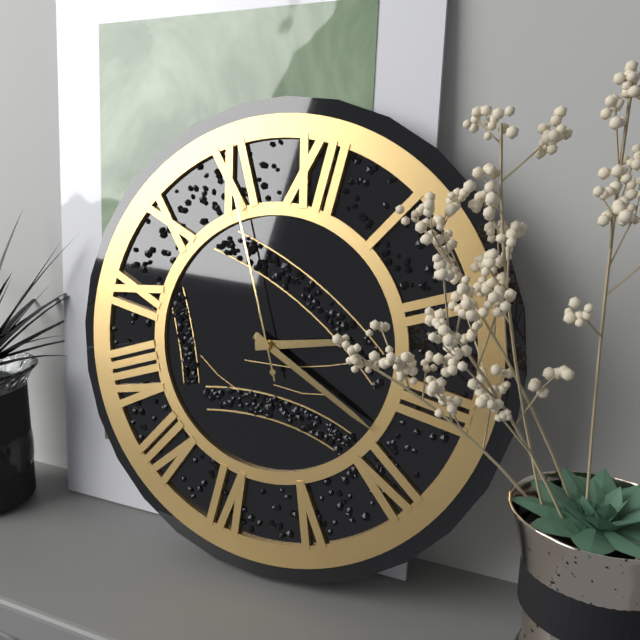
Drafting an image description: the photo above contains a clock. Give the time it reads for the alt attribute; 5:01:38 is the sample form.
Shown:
2:18:55
